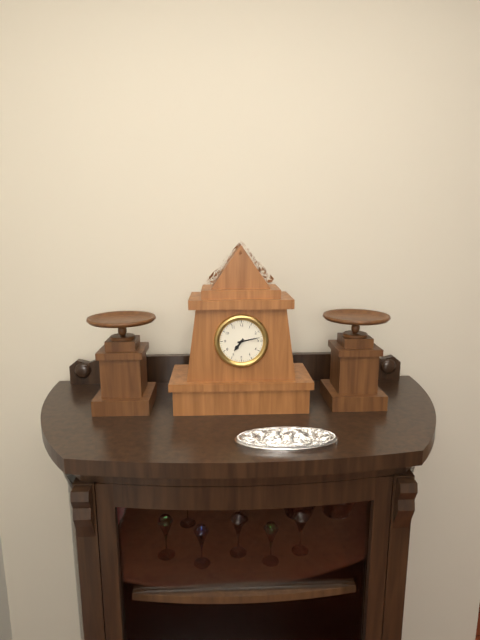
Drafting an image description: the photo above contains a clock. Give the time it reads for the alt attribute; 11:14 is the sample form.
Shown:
7:13
